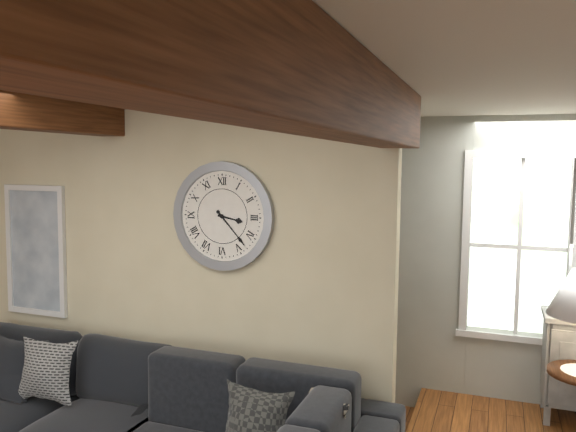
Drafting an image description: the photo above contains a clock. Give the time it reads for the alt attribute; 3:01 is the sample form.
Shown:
3:23
